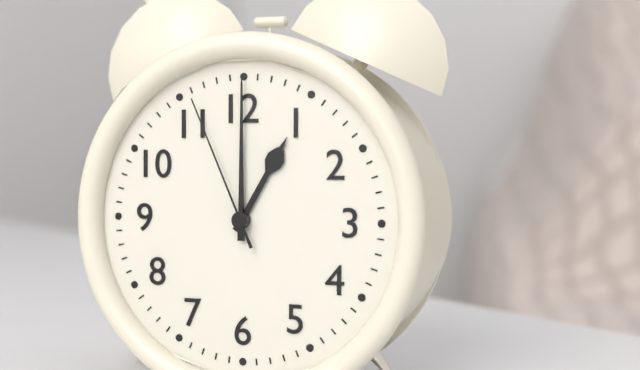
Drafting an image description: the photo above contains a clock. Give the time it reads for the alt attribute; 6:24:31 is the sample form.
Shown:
1:00:56
